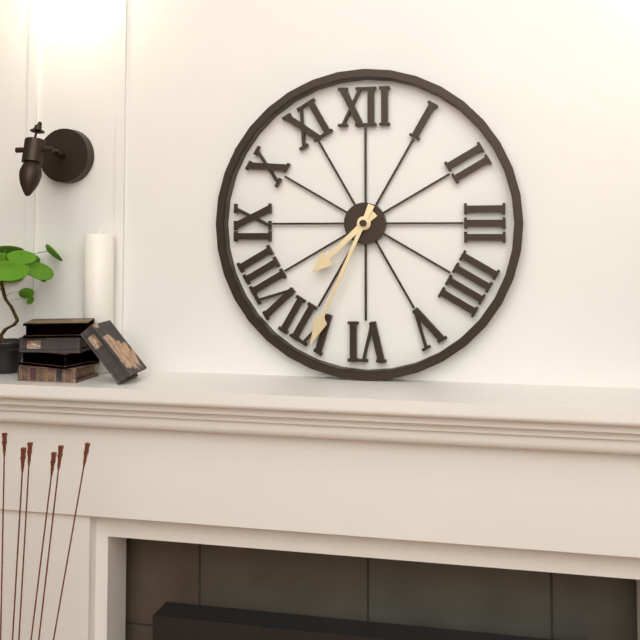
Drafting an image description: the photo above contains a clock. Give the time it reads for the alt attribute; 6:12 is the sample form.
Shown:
7:34
